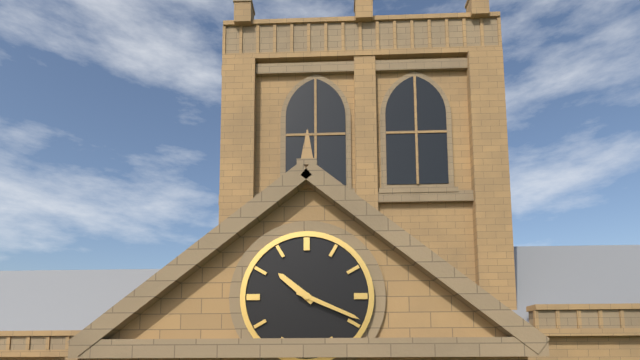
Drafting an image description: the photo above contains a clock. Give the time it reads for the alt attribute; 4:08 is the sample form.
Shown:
10:19
